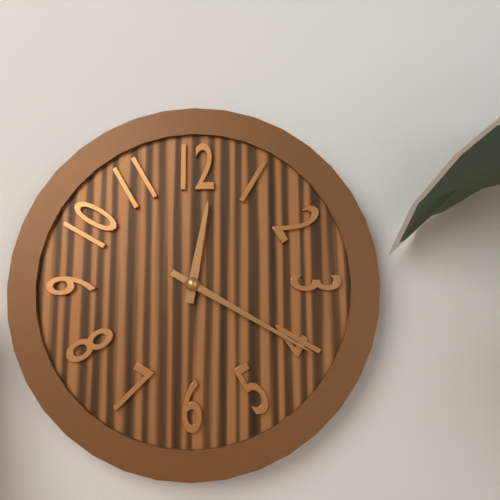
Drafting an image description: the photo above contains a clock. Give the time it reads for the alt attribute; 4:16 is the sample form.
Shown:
12:20
